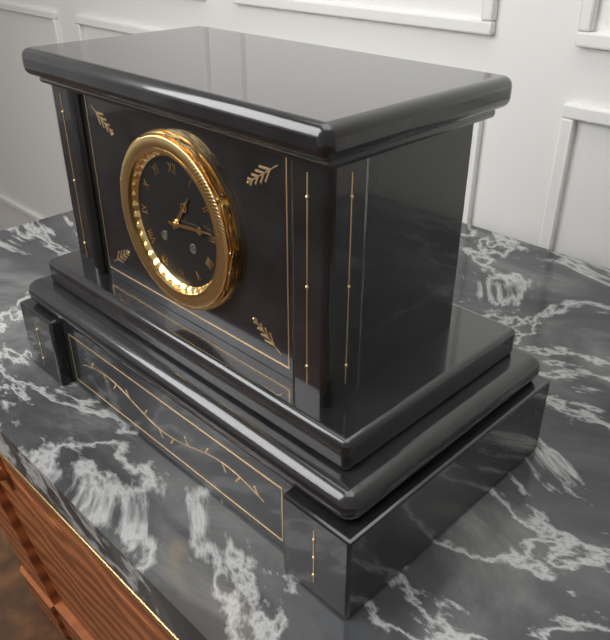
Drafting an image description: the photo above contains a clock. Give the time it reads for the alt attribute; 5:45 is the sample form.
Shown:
1:14
